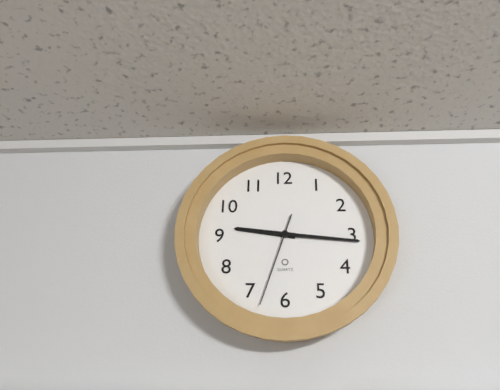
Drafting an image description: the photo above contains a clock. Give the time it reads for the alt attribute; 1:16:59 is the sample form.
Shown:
9:16:33
